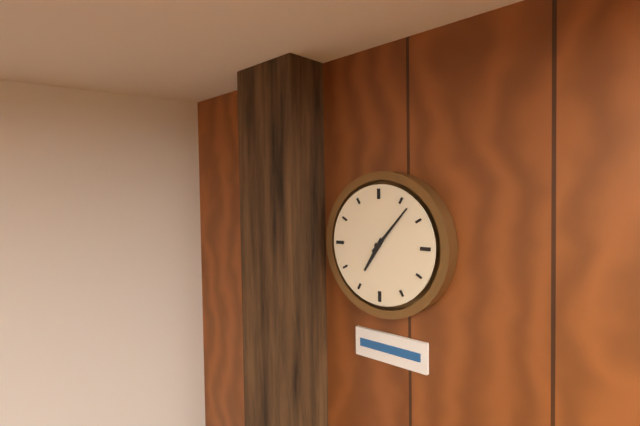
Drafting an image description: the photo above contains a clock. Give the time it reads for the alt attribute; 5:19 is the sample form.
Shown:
7:07
